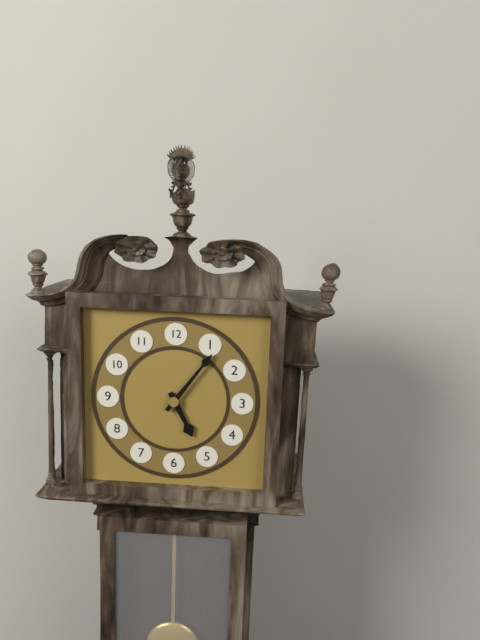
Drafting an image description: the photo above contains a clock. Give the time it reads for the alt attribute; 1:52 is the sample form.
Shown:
5:06
